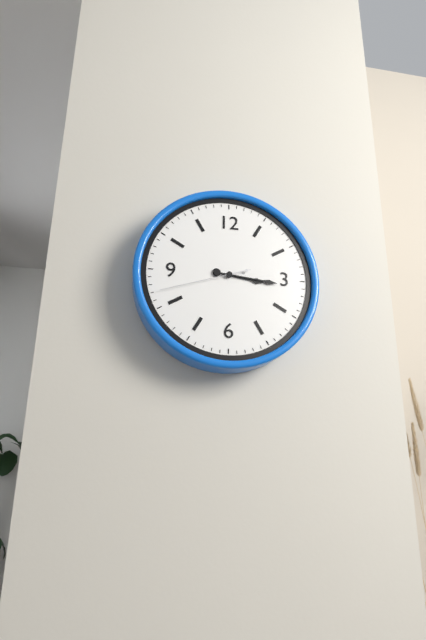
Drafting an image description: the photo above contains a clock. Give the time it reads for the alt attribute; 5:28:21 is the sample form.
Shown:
3:16:42
